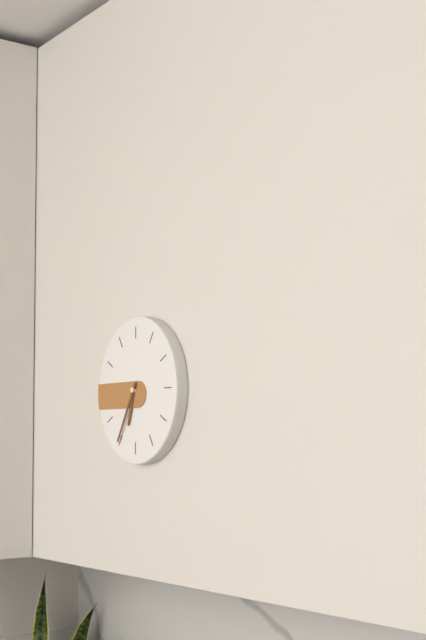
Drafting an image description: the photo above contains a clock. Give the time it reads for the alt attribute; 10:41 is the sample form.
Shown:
6:35
